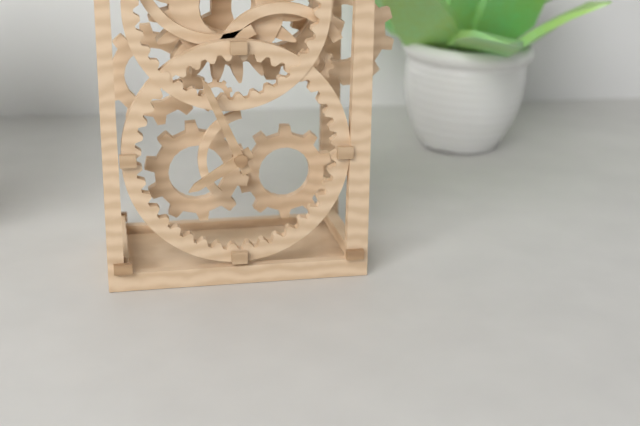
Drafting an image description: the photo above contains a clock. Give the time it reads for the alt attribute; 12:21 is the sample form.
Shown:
7:56
